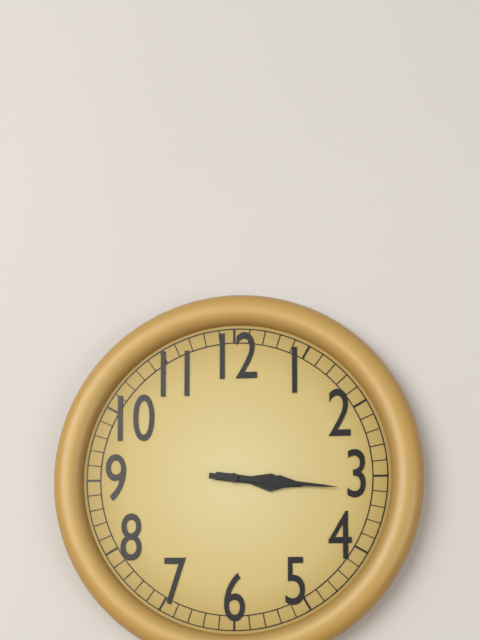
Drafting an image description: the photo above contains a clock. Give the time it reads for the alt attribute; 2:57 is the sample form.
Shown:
3:16
